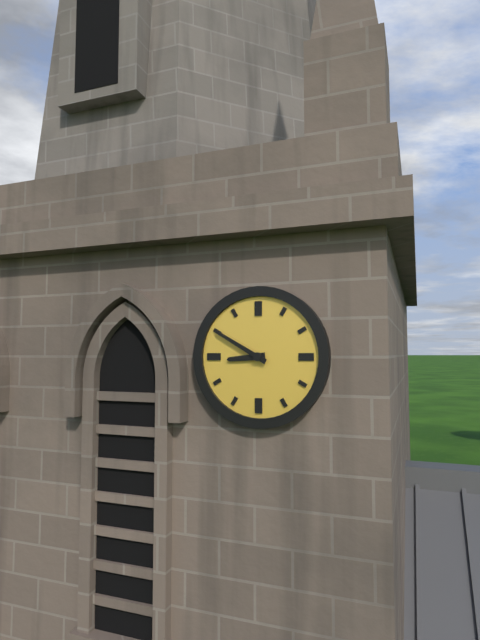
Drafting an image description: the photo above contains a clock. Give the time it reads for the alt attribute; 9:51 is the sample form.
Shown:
8:50
